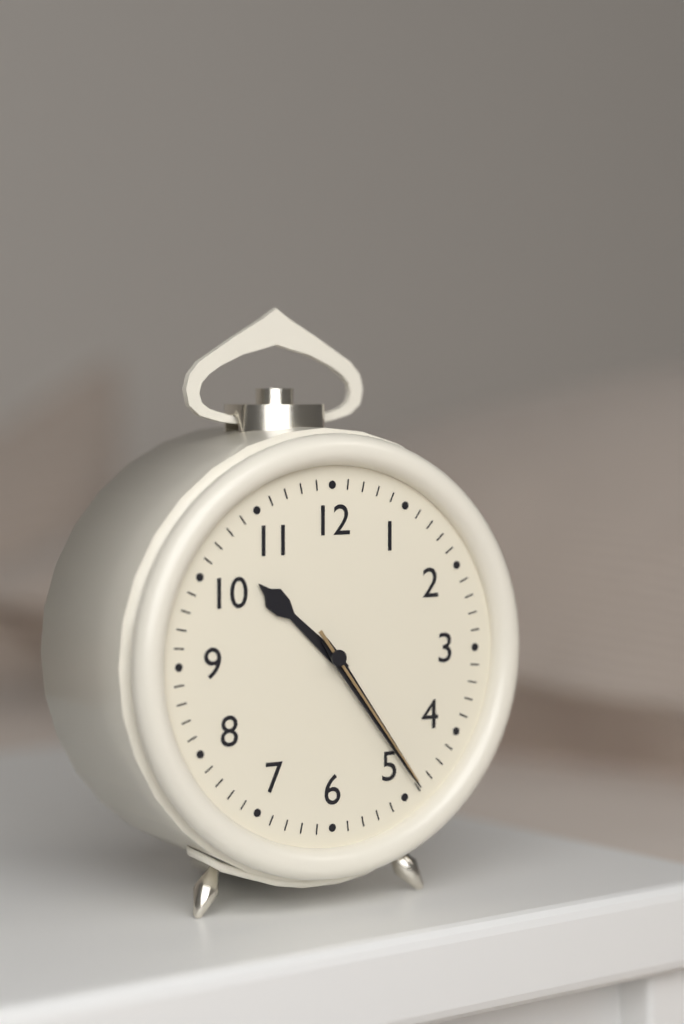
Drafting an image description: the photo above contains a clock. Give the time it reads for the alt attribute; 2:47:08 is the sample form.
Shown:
10:24:24
